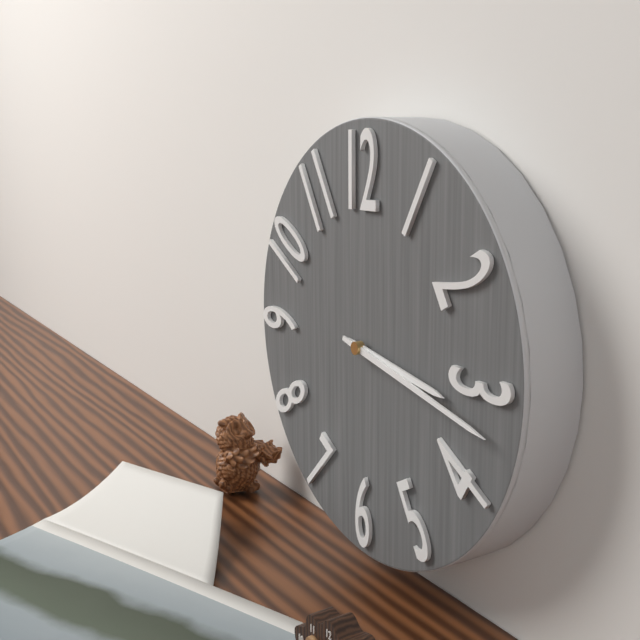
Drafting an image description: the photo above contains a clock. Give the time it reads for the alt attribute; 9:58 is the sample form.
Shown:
3:17
